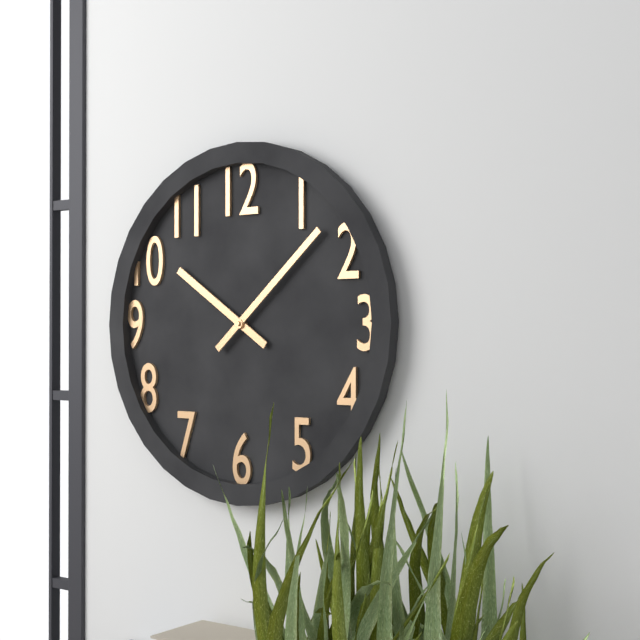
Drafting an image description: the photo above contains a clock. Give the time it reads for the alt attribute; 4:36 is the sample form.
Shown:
10:08
